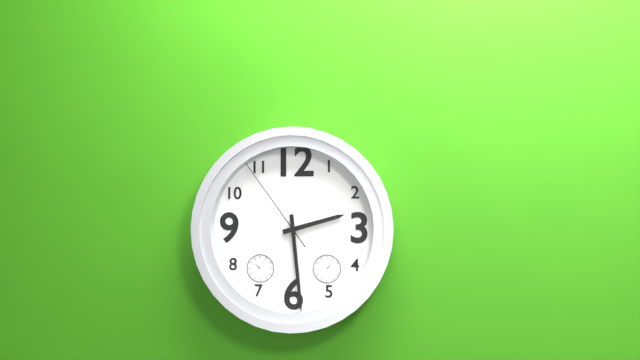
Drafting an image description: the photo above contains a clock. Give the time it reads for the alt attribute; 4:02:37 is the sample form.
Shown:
2:29:54
